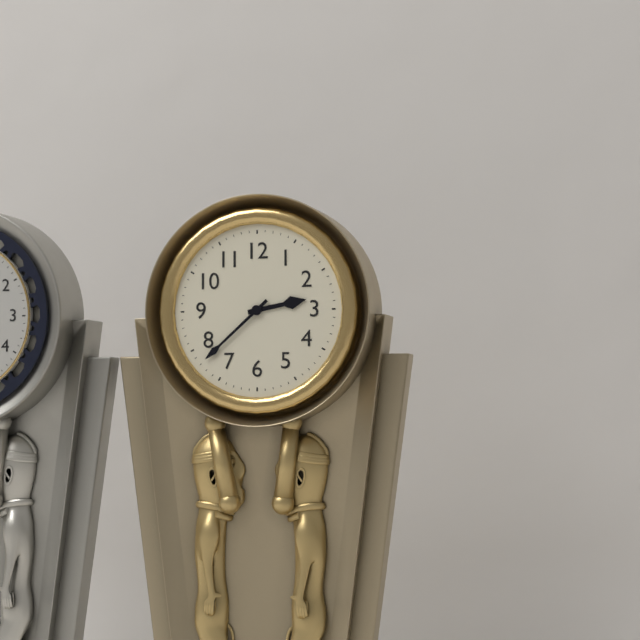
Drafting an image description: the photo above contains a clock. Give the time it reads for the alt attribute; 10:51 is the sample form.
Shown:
2:38
